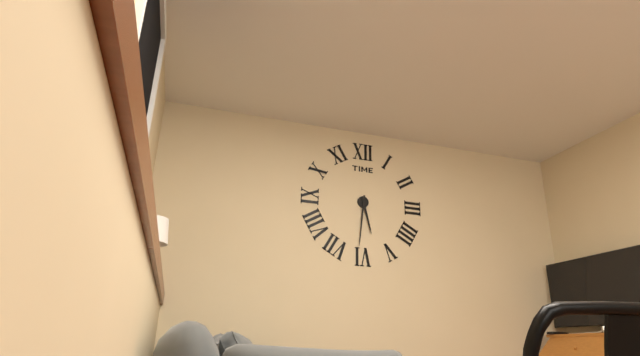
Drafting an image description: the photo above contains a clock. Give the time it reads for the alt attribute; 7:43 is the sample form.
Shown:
5:31
